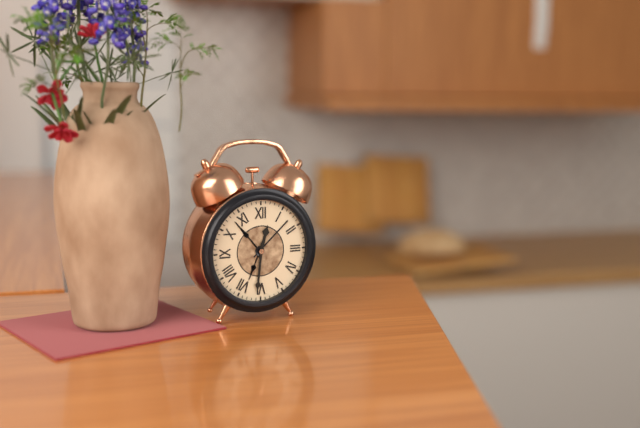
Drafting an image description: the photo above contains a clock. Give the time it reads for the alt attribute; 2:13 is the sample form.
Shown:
12:31
